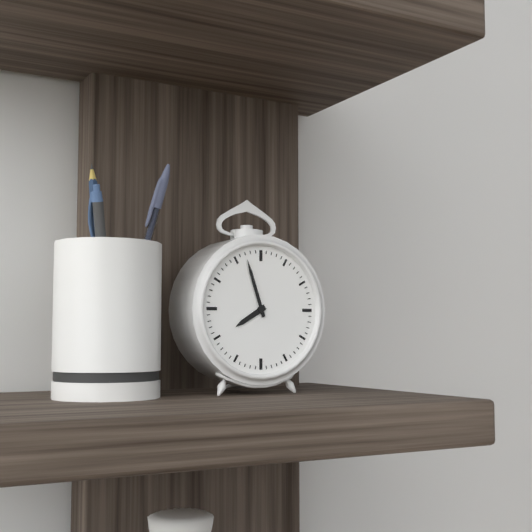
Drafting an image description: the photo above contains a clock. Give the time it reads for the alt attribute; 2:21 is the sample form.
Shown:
7:57
